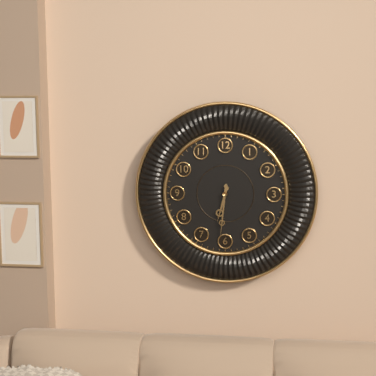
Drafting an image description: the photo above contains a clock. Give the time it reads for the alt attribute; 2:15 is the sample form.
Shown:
6:31
